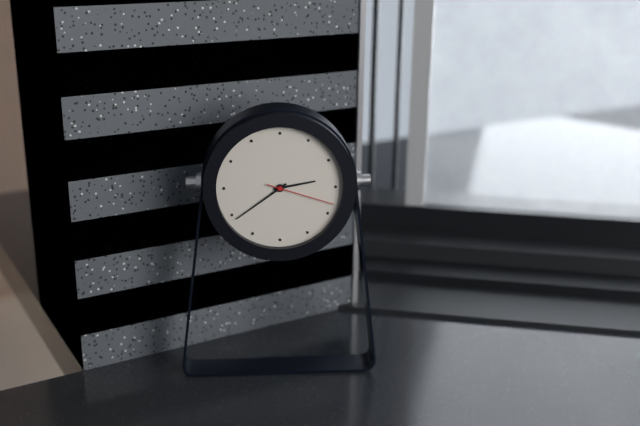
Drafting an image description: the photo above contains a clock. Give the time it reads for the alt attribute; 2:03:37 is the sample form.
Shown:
2:39:18
